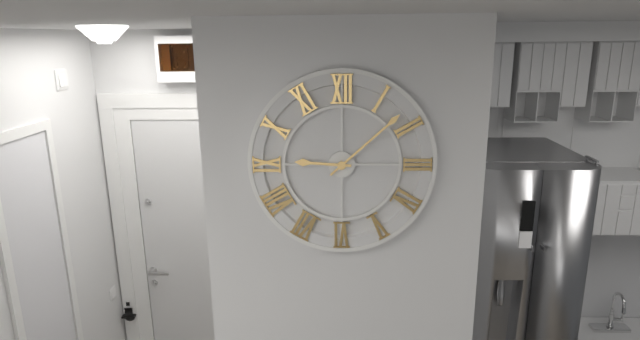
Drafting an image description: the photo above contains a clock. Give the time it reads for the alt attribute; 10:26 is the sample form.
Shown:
9:08
